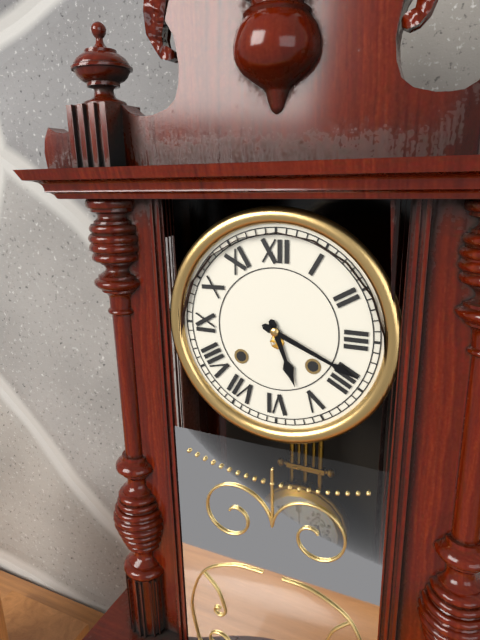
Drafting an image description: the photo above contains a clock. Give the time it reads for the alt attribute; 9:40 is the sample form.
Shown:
5:19
